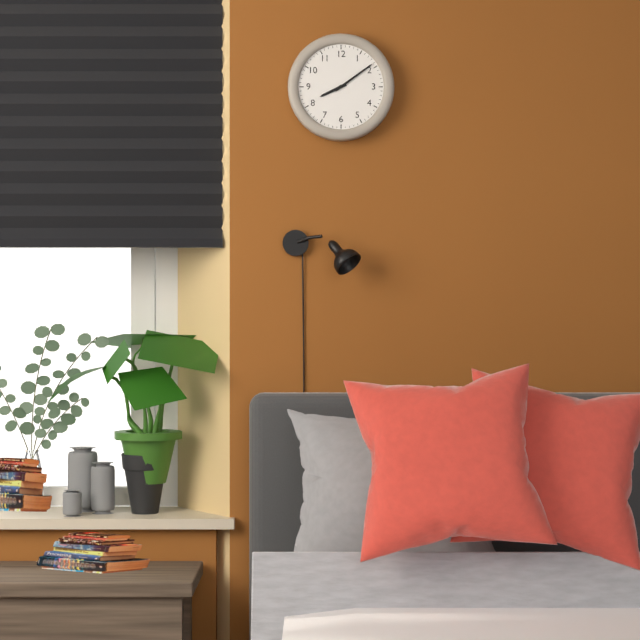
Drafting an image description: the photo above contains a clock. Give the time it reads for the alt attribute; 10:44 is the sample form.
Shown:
8:09
